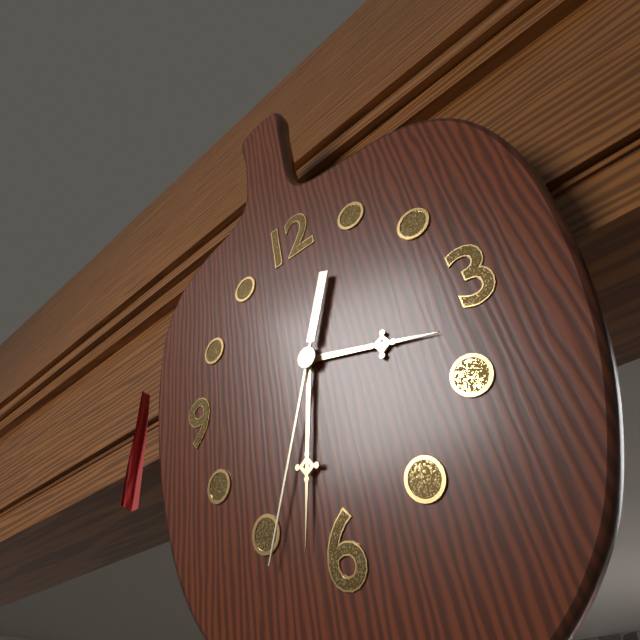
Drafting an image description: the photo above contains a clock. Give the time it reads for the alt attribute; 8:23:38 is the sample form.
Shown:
3:32:34
